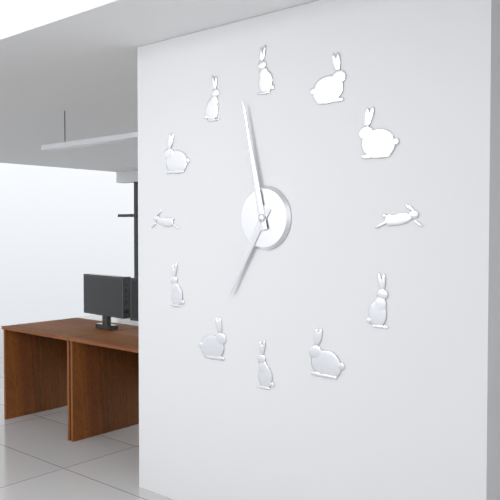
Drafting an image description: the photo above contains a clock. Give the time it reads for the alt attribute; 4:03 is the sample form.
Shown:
6:58
